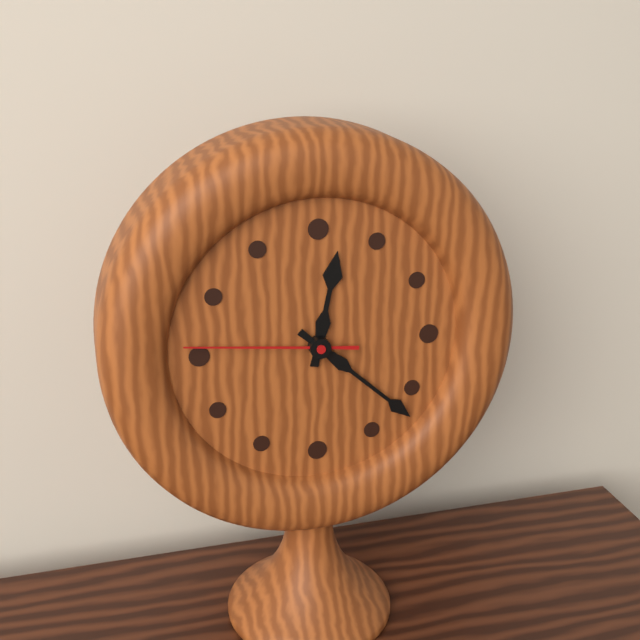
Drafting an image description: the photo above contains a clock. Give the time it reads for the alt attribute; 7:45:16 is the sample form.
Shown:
12:22:46
